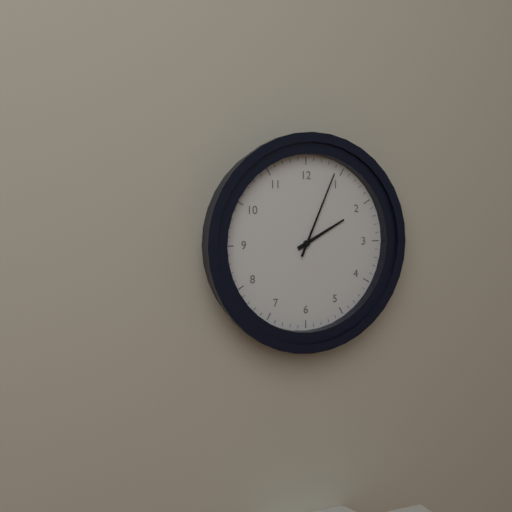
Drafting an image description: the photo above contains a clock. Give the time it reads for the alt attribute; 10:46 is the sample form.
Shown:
2:04
